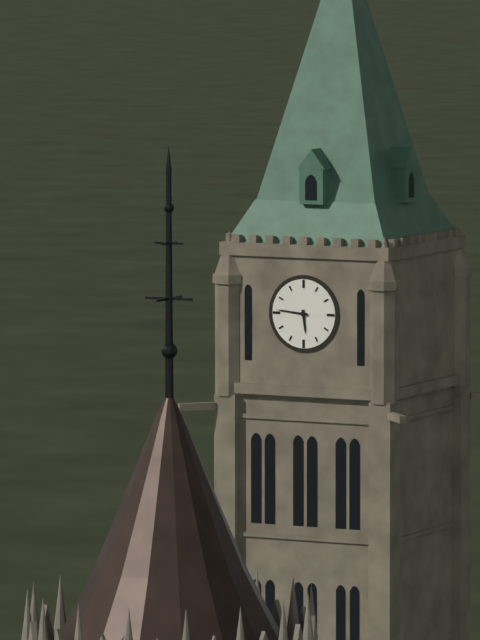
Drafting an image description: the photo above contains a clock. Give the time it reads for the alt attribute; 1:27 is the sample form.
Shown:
5:46
